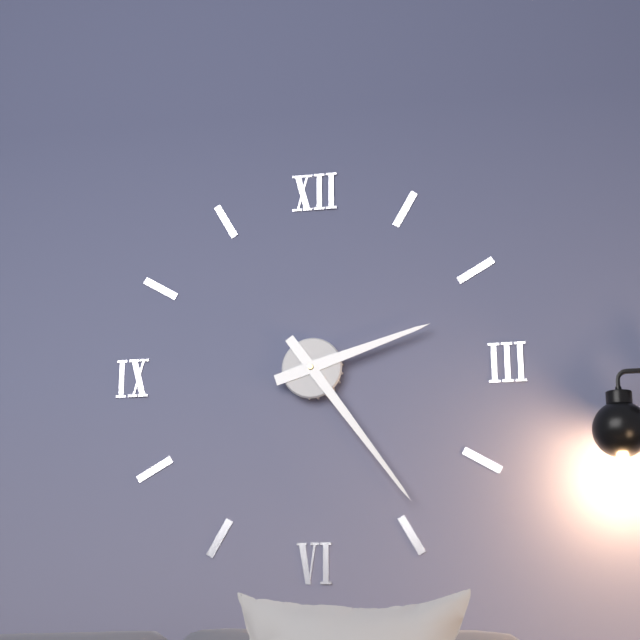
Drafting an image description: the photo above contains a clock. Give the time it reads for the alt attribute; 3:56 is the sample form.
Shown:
2:24
